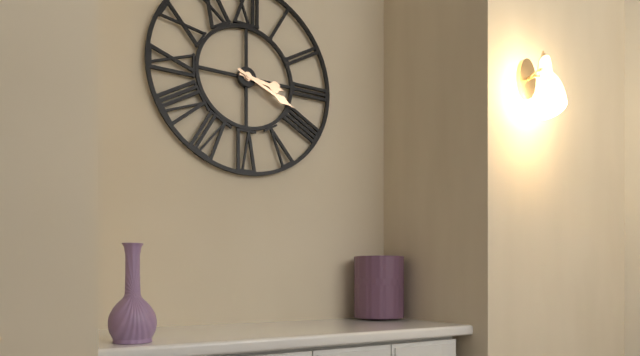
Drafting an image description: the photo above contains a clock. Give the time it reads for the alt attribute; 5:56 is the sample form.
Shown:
3:19
